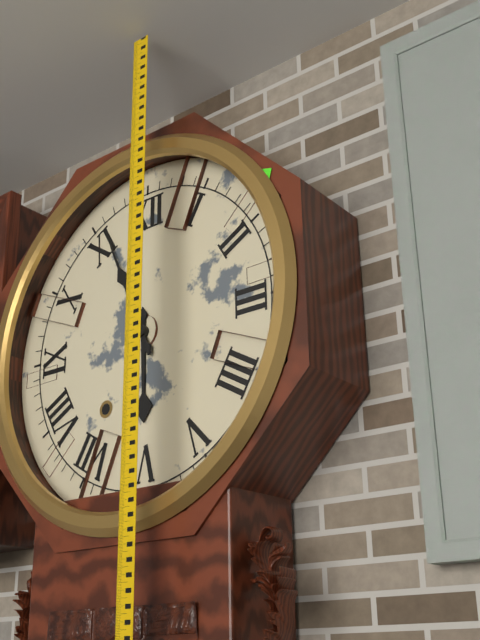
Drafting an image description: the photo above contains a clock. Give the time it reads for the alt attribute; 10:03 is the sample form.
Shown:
5:56
